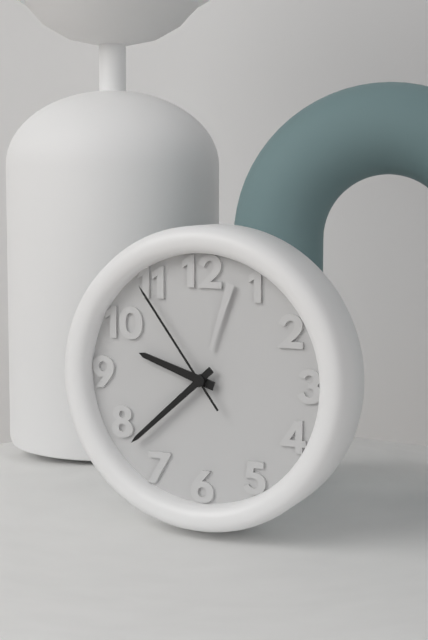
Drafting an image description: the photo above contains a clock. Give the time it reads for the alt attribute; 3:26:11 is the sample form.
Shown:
9:38:54
